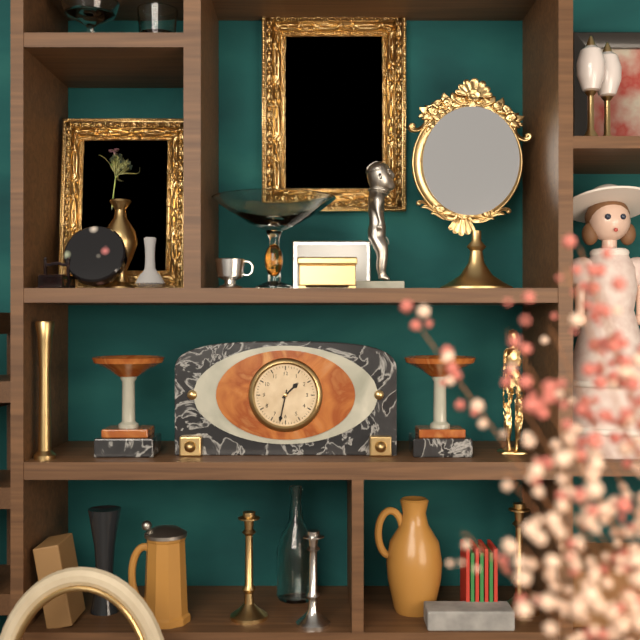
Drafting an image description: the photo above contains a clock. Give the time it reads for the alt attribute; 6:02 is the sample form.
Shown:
1:32
